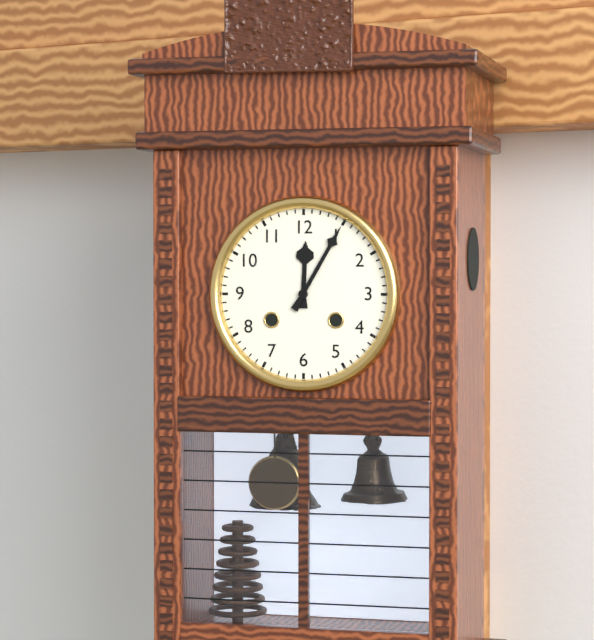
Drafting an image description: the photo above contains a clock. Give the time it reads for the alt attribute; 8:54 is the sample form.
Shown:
12:05
